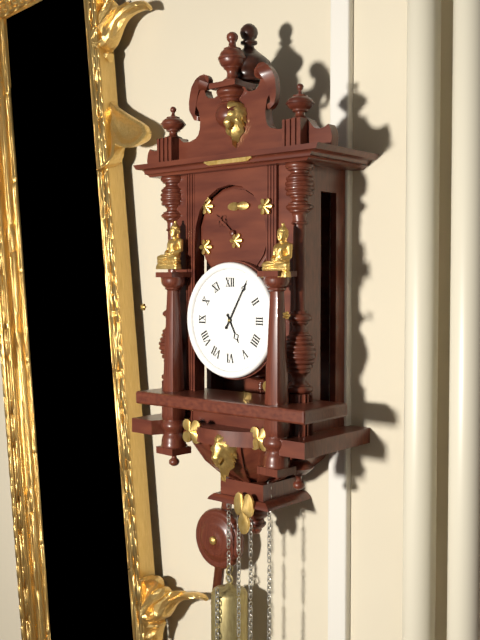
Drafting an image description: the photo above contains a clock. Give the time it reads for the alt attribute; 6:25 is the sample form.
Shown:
5:05
